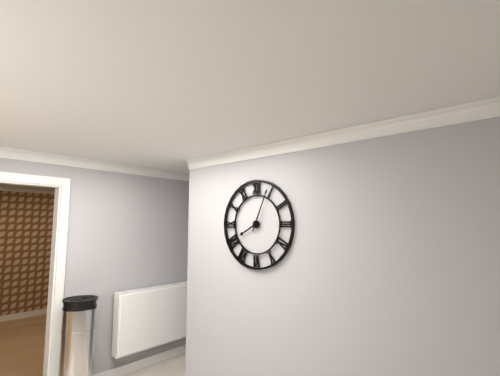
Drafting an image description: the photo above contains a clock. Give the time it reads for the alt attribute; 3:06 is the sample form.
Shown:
8:04
